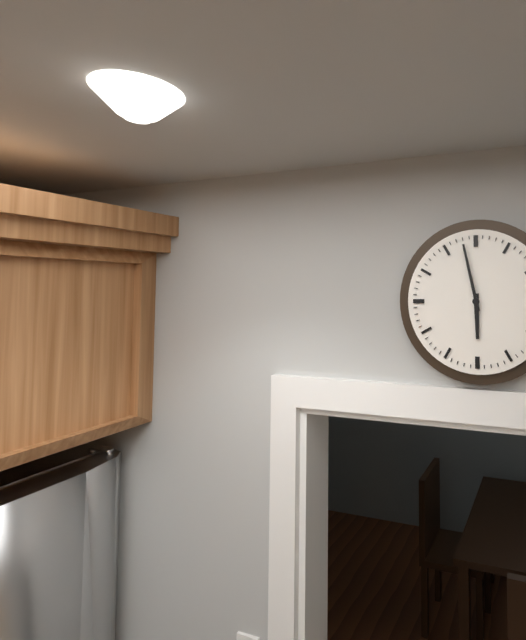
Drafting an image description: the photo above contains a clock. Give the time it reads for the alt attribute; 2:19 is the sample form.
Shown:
5:58
